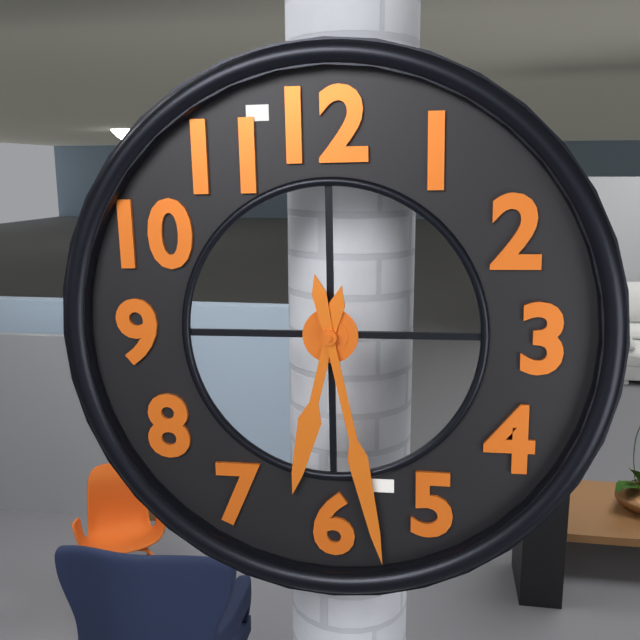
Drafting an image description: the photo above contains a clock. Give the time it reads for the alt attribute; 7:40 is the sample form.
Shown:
6:28
